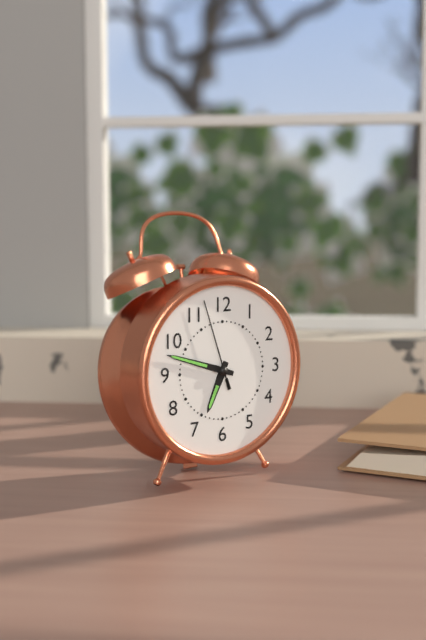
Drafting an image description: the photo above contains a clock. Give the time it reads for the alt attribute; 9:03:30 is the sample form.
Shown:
6:48:57
